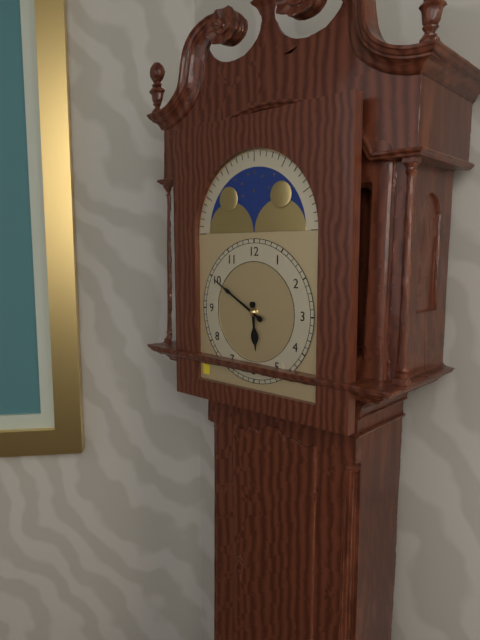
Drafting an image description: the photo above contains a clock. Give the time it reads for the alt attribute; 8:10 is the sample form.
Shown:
5:50
